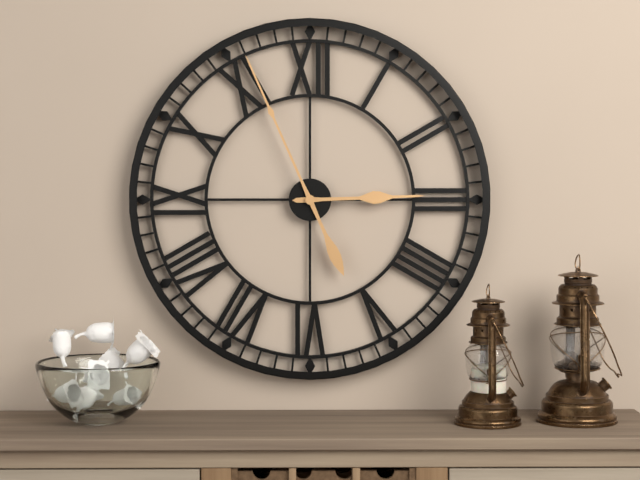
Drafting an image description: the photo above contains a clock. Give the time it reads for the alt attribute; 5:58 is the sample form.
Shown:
2:56
